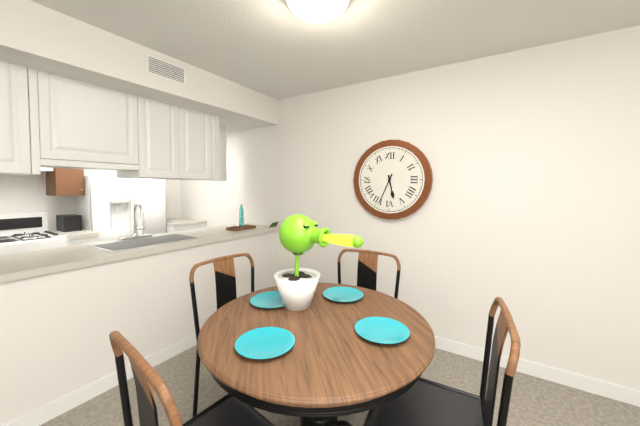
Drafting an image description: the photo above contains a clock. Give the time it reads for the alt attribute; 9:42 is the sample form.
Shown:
5:34
